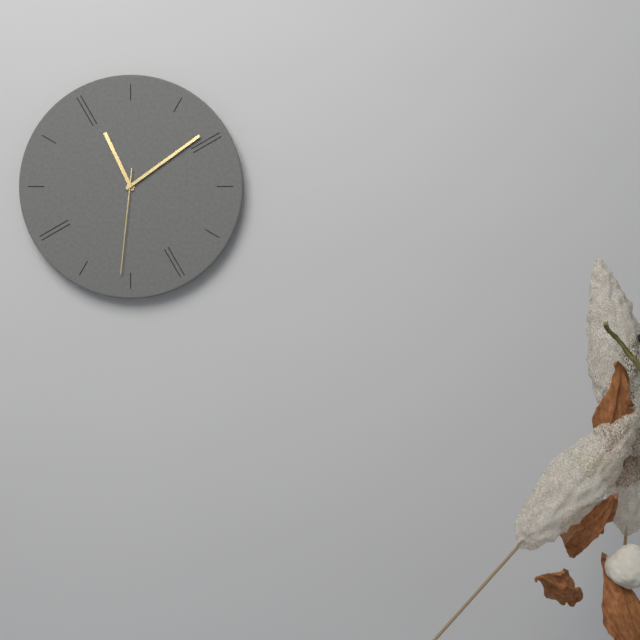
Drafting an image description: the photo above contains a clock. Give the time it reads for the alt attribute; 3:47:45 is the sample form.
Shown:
11:09:31
